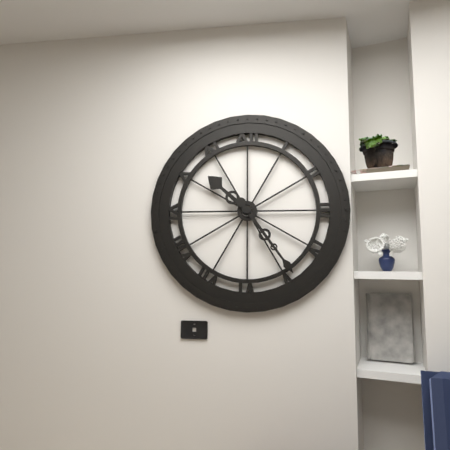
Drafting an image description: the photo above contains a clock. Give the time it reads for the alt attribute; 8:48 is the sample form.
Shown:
10:24
